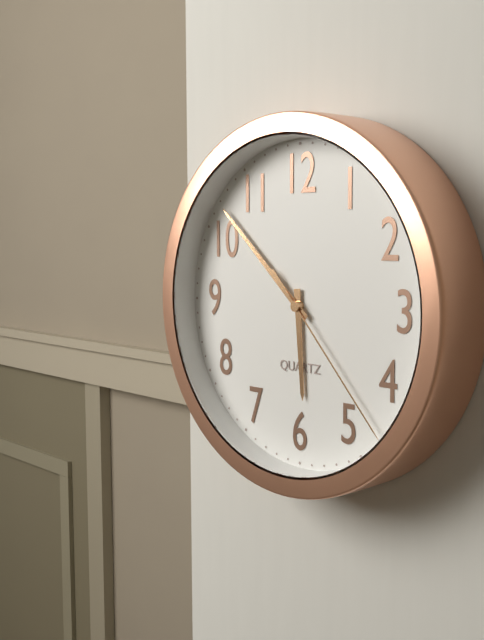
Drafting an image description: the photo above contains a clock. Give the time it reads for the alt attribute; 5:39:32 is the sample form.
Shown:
5:52:23
